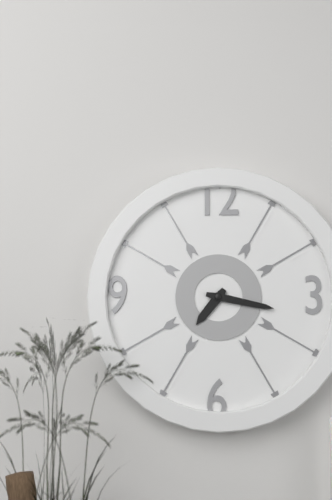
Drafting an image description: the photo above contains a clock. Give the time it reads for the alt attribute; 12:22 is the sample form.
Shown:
7:17
